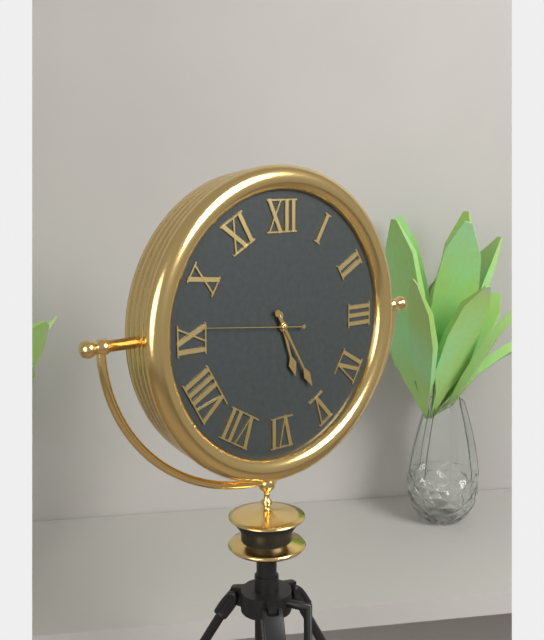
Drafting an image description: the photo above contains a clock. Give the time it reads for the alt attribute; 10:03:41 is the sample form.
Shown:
5:25:46
